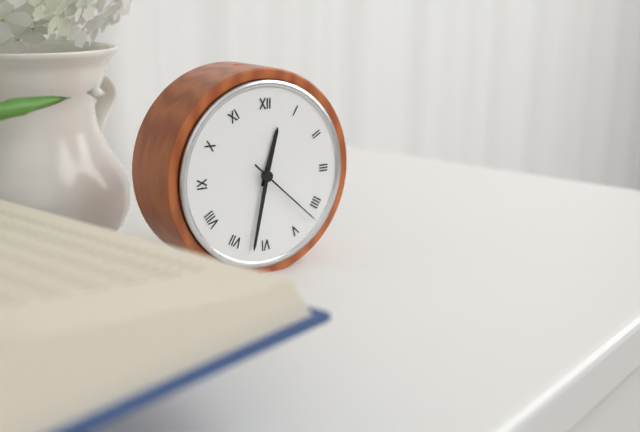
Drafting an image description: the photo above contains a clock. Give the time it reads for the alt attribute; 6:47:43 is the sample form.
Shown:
12:32:22
